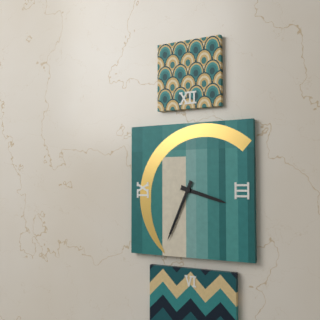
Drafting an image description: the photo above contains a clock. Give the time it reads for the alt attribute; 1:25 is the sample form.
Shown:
3:34
